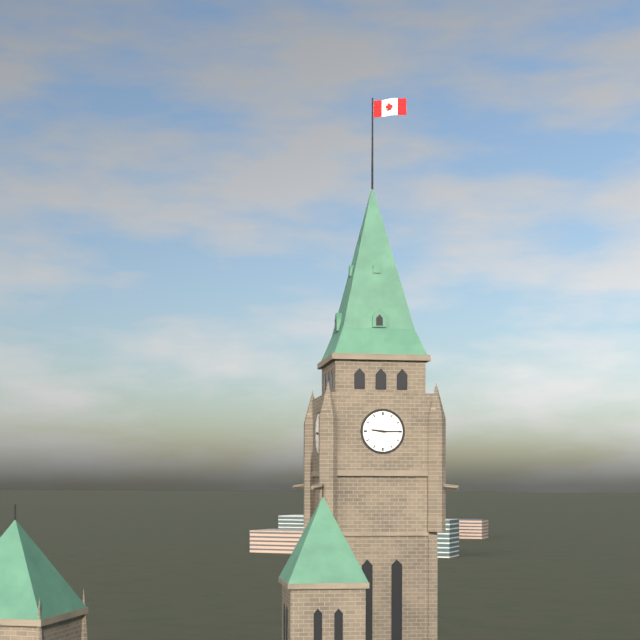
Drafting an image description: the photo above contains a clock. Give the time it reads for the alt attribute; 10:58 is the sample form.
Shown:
9:15
